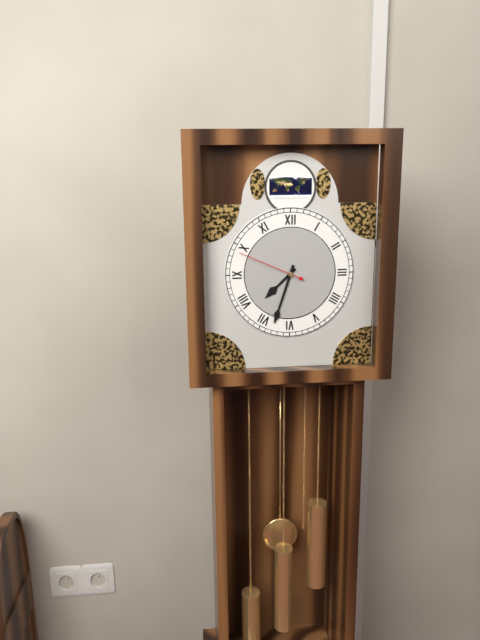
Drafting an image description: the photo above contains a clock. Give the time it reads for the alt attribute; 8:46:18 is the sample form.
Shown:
7:33:49
